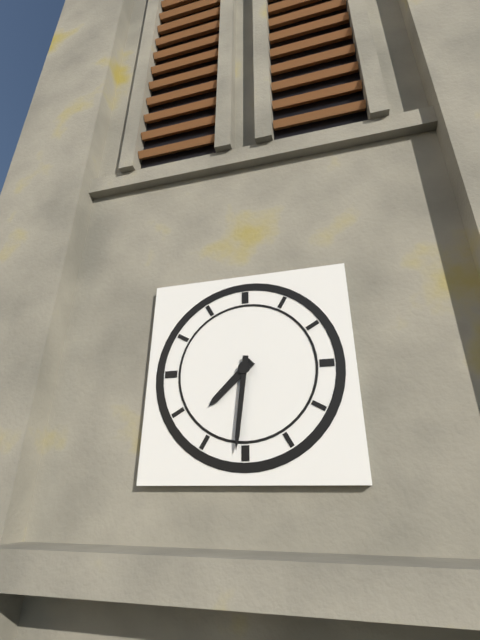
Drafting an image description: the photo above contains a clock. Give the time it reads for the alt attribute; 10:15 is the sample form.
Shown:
7:31
